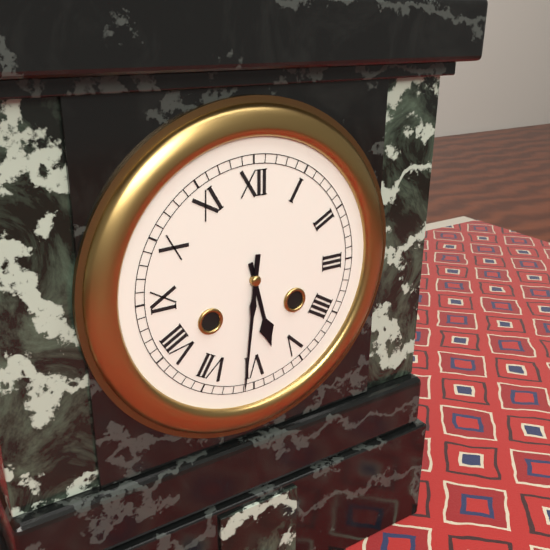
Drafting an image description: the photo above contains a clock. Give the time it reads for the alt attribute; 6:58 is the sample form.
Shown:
5:31
